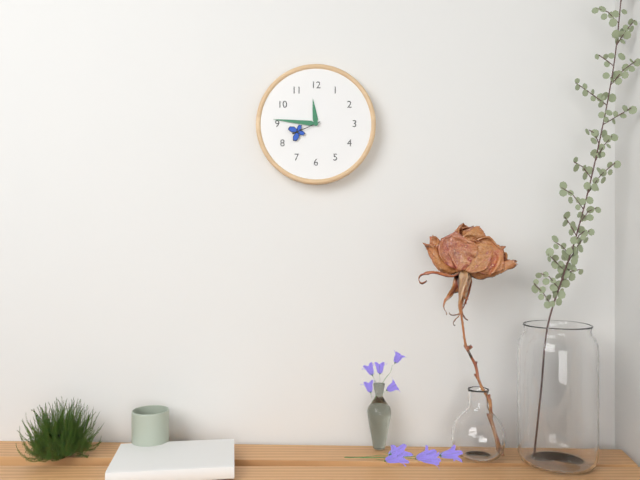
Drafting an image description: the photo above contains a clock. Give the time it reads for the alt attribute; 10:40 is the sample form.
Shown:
11:46
